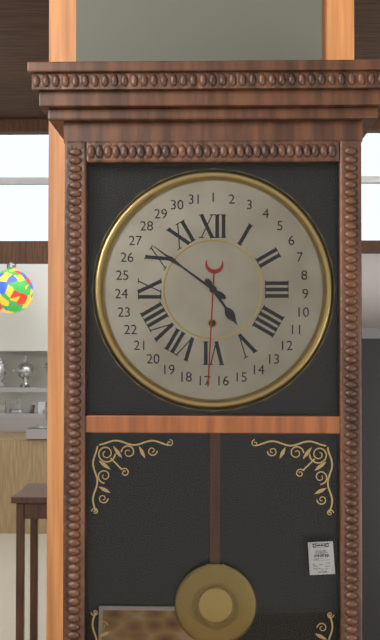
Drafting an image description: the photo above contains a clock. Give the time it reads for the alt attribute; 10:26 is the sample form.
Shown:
4:51
